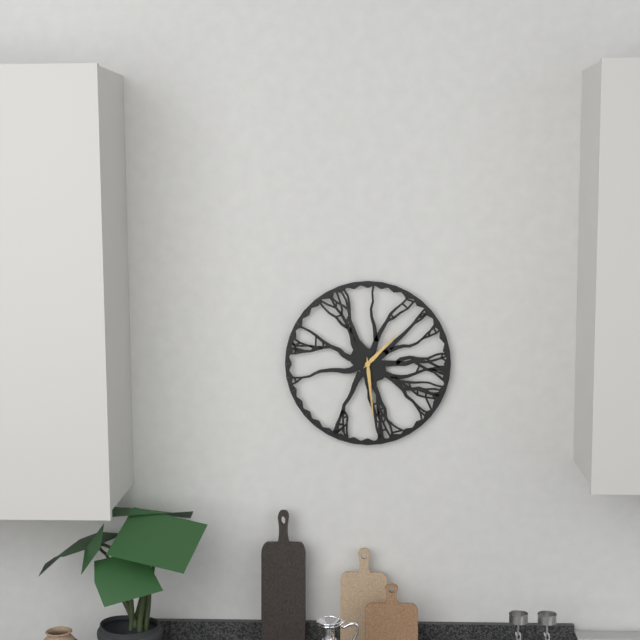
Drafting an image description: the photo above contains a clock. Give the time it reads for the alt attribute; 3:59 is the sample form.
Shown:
1:29
